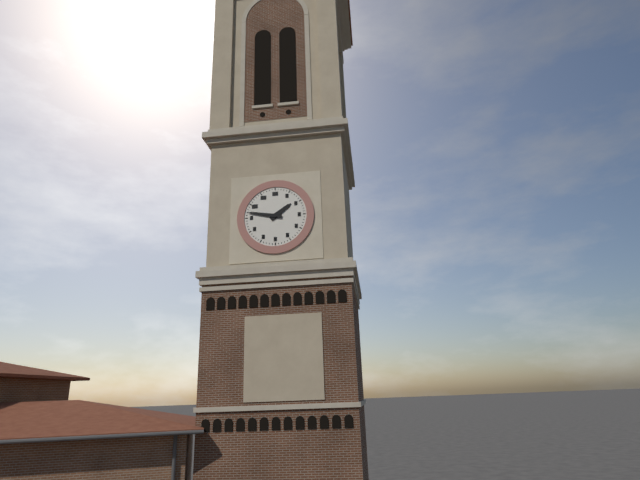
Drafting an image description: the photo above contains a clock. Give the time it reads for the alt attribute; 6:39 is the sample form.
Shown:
1:47
